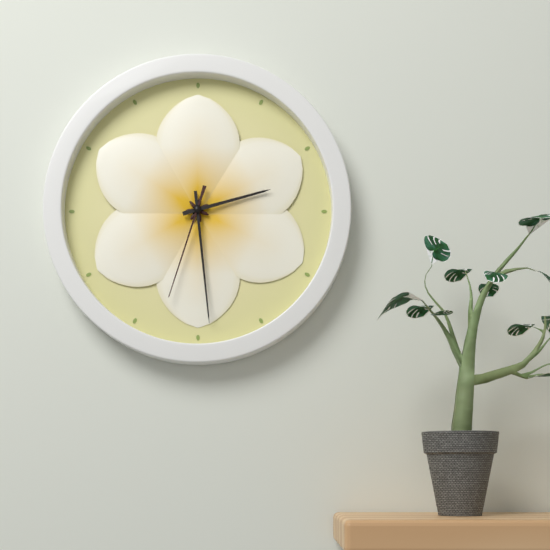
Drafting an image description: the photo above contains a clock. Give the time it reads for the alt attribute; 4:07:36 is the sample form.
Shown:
2:29:33
